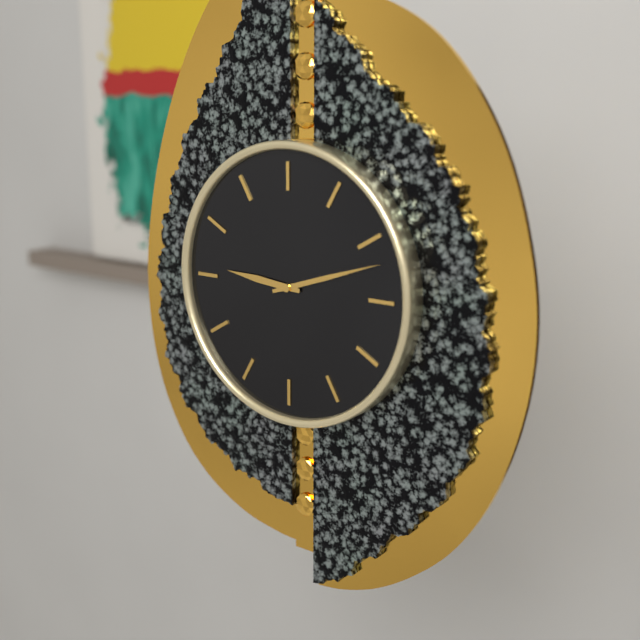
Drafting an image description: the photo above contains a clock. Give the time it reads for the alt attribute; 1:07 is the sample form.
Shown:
9:12
